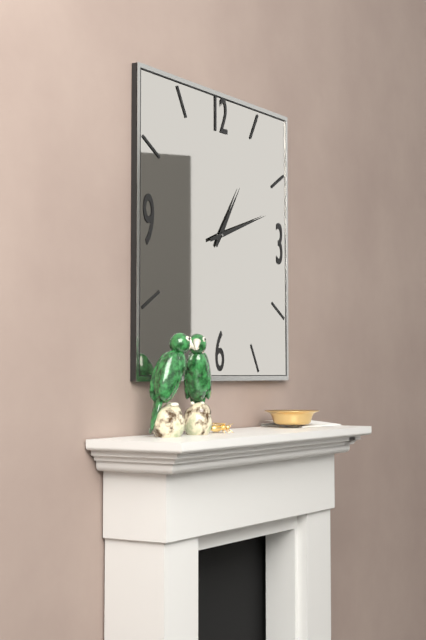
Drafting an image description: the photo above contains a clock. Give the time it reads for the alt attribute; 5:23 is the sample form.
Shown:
1:12
